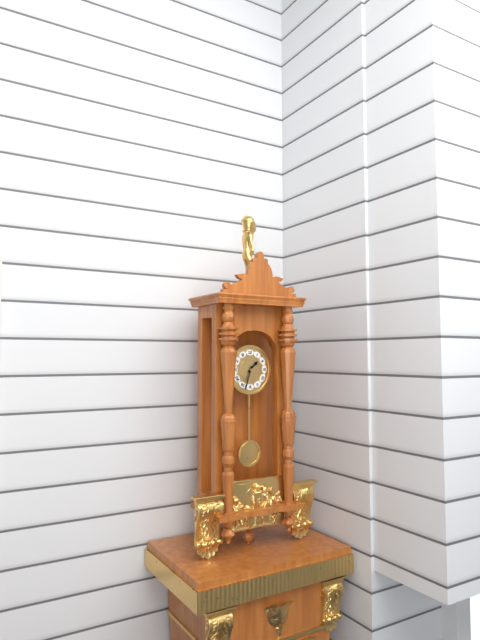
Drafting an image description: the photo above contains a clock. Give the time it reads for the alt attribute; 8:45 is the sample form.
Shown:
1:33
